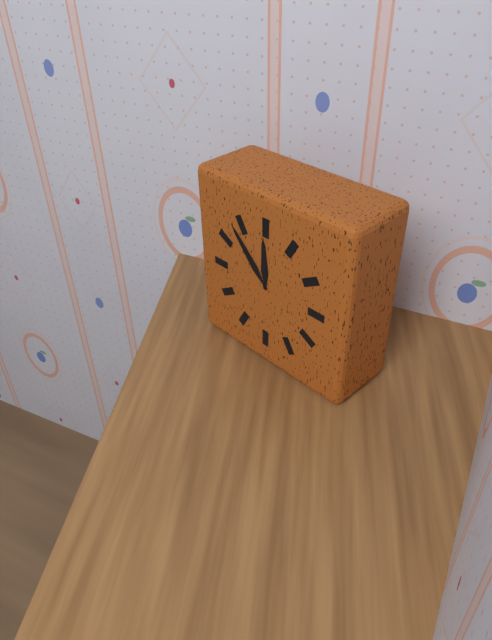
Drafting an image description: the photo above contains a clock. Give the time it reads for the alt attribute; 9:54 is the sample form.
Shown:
11:53
